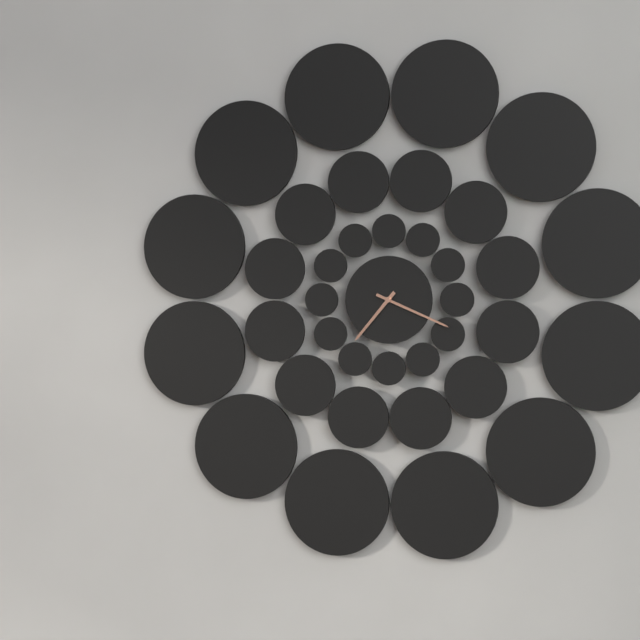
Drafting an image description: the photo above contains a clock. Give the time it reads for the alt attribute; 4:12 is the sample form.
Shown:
7:19
